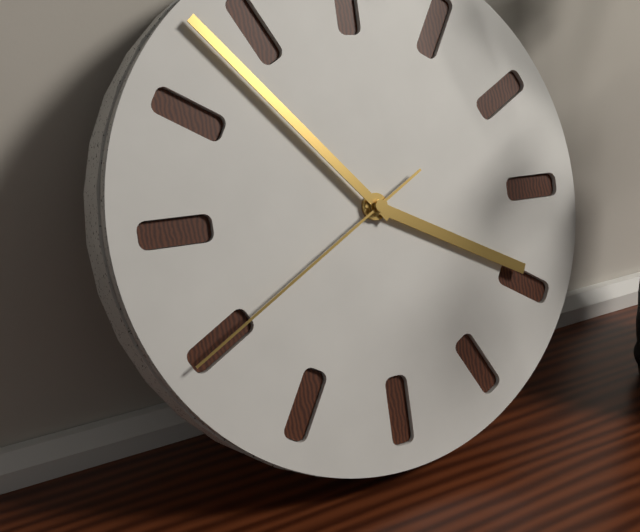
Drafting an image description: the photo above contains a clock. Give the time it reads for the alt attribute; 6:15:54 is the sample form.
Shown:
3:53:40
